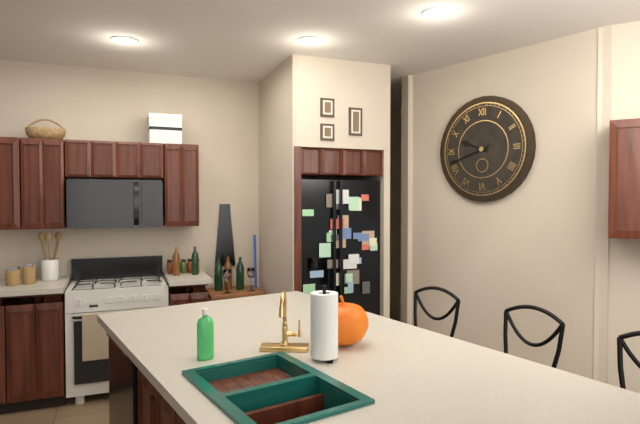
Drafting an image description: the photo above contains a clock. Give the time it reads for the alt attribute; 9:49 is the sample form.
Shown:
9:42
